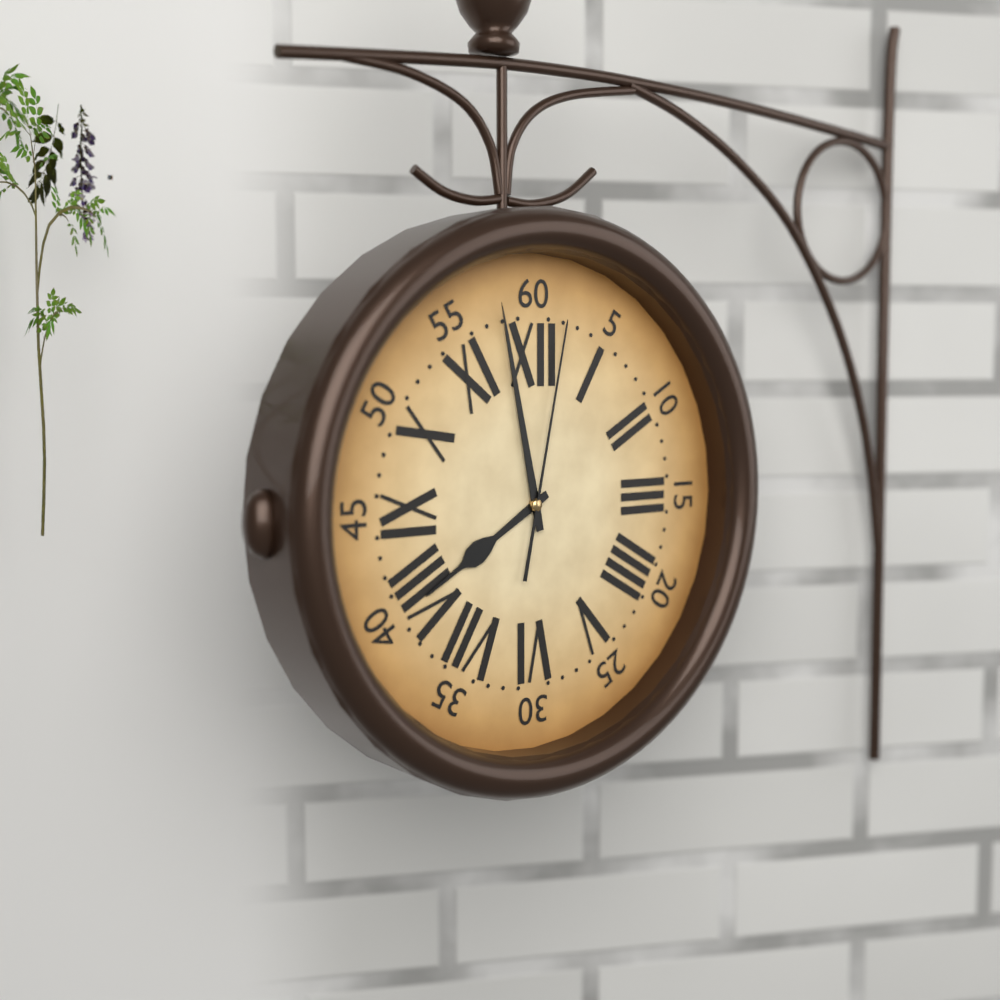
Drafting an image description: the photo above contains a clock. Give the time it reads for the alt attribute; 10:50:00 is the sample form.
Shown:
7:58:02
